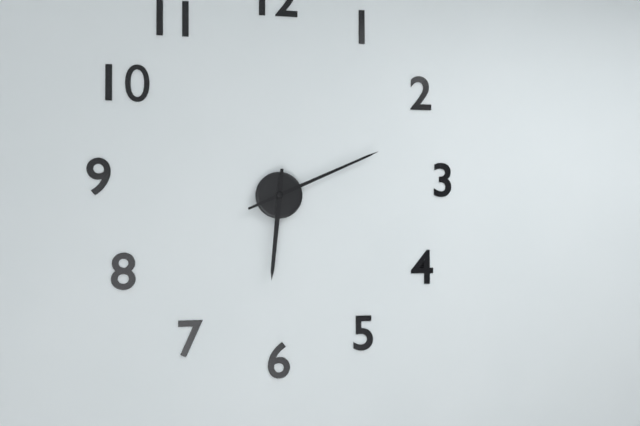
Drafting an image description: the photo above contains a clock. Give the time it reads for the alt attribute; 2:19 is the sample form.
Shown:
6:11
